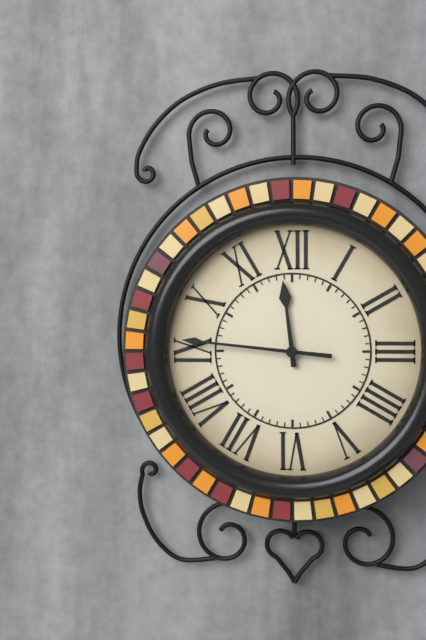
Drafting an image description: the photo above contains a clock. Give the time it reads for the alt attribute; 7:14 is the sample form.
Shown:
11:46
